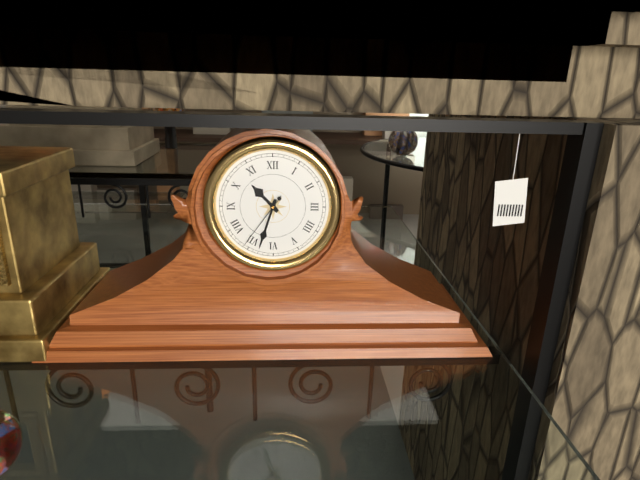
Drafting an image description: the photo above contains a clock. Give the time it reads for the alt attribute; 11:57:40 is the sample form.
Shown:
10:33:36
